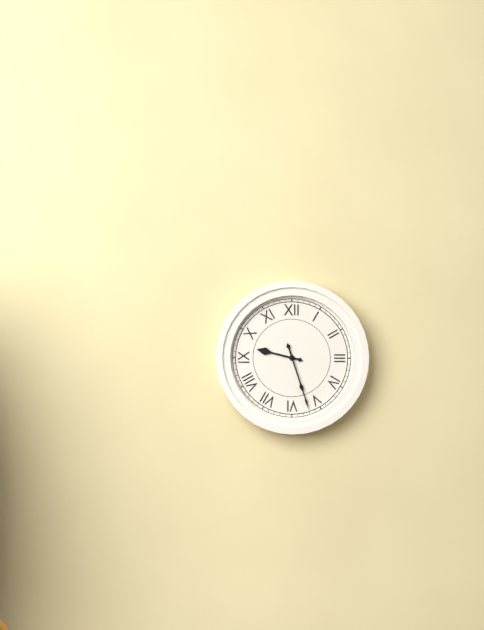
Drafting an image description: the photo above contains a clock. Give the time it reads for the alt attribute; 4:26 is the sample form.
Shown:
9:27
